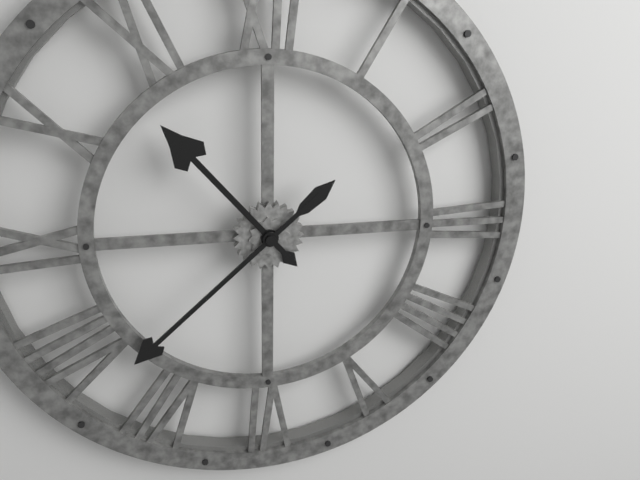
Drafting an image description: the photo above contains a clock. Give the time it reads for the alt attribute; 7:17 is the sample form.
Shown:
10:38
